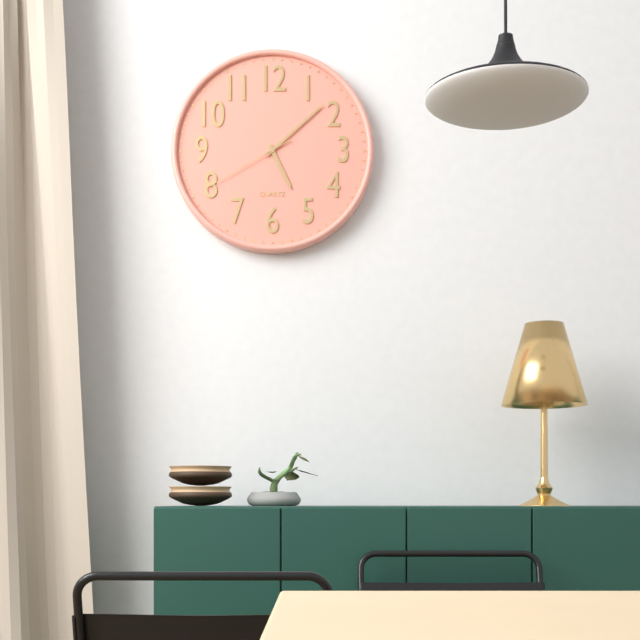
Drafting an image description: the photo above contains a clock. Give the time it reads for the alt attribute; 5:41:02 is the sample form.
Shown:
5:08:40
